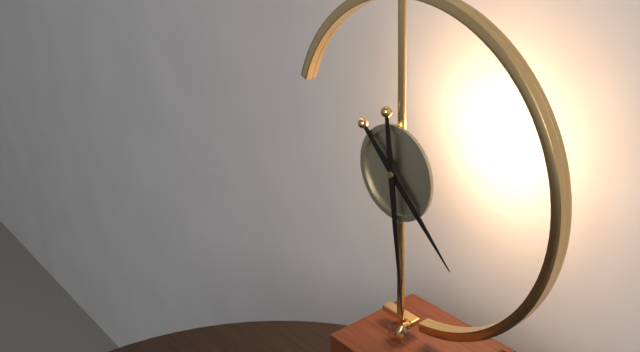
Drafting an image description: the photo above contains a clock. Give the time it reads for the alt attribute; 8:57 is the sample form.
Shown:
4:29
